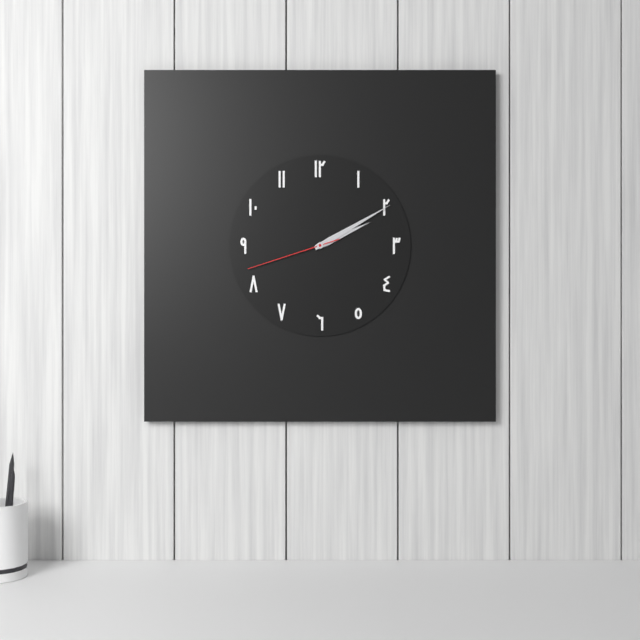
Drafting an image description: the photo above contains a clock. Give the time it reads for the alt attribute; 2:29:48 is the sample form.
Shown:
2:10:42
